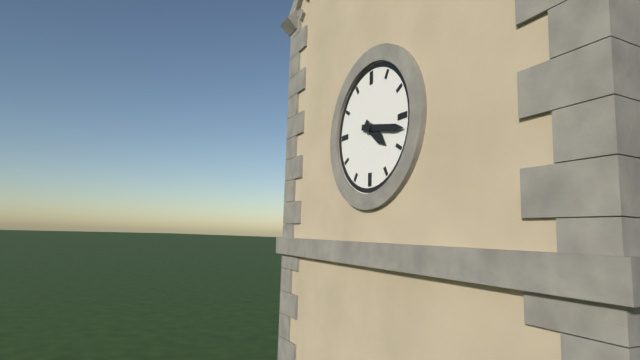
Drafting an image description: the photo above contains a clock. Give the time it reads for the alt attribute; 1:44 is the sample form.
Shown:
4:17
